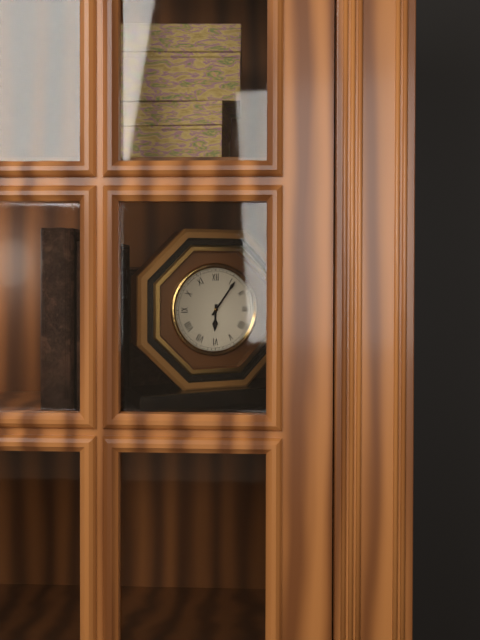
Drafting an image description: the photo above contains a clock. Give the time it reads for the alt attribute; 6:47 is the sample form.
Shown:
6:06
